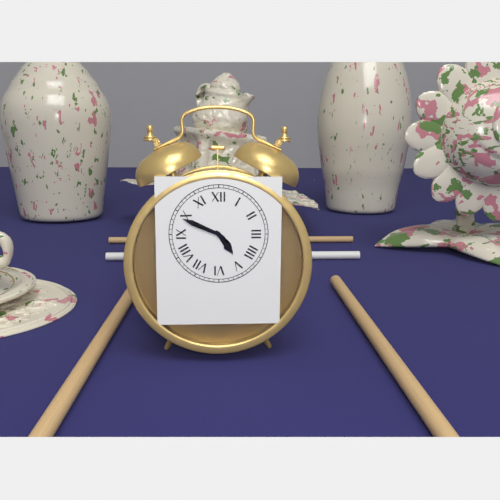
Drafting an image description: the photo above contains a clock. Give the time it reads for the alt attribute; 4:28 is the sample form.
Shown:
4:49
